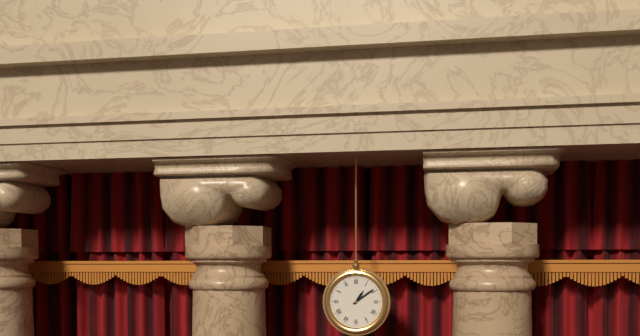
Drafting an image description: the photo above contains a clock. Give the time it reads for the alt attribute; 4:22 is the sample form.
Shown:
1:09
